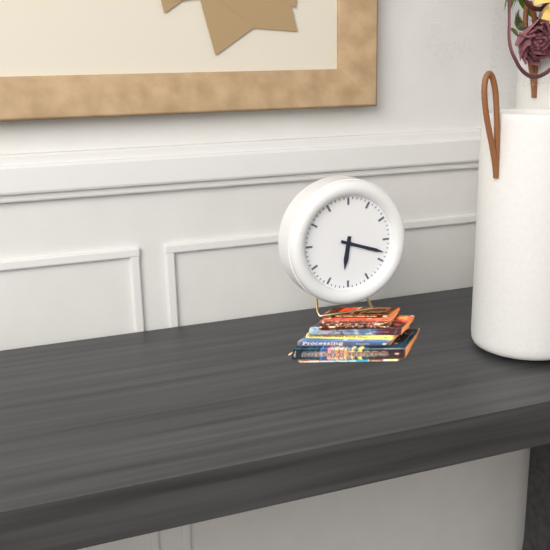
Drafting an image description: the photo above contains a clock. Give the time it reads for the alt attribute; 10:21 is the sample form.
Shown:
6:18
